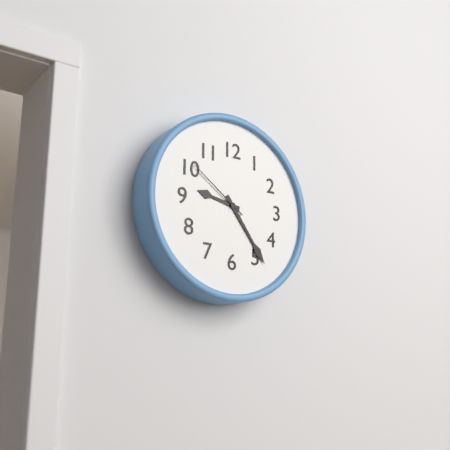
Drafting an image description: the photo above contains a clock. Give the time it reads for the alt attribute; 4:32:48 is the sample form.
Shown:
9:24:51
